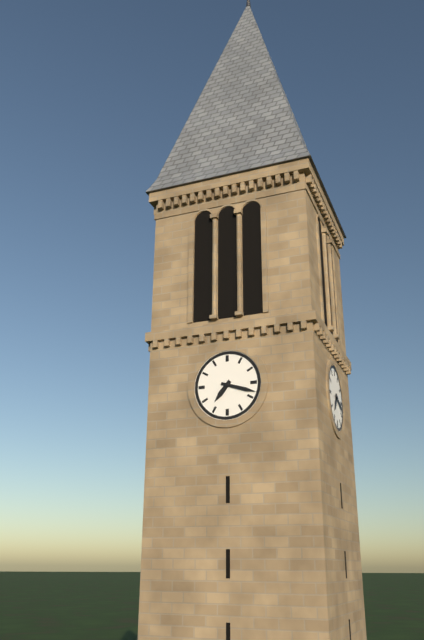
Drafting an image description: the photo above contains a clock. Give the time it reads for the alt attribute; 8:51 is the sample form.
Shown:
7:18
